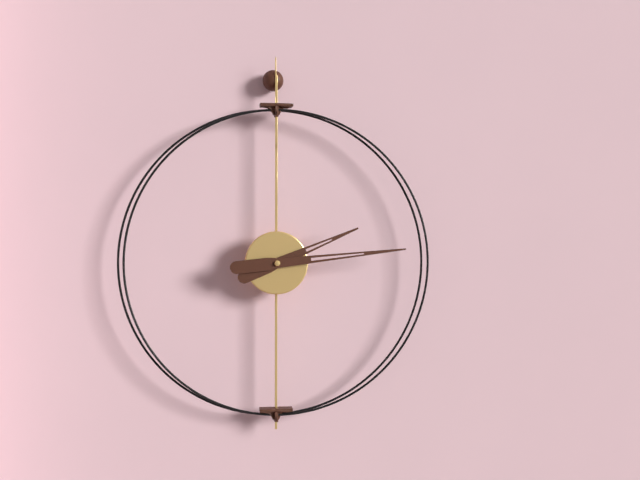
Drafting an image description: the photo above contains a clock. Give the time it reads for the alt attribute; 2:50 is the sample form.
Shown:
2:14
